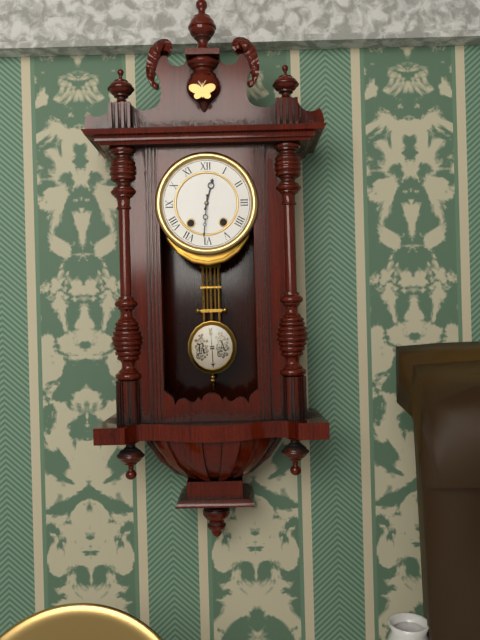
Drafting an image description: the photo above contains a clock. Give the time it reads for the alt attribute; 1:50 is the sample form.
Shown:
12:31
